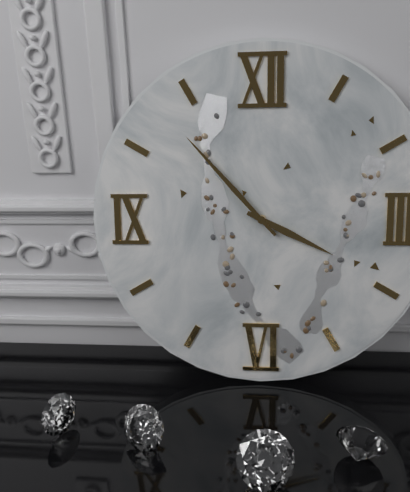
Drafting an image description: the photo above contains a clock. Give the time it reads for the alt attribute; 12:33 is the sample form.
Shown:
3:53
